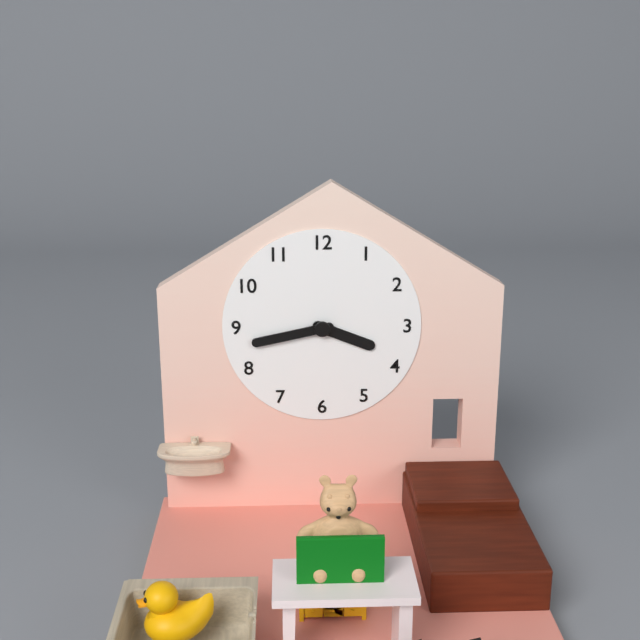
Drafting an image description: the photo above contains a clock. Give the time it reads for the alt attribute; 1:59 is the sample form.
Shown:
3:43
